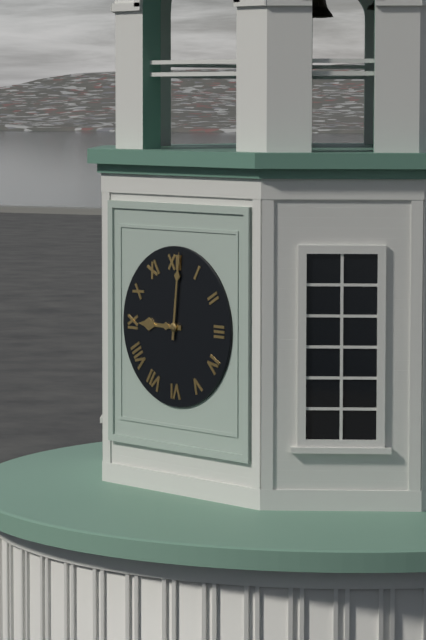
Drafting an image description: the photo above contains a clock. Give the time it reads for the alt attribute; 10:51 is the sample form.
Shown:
9:01
